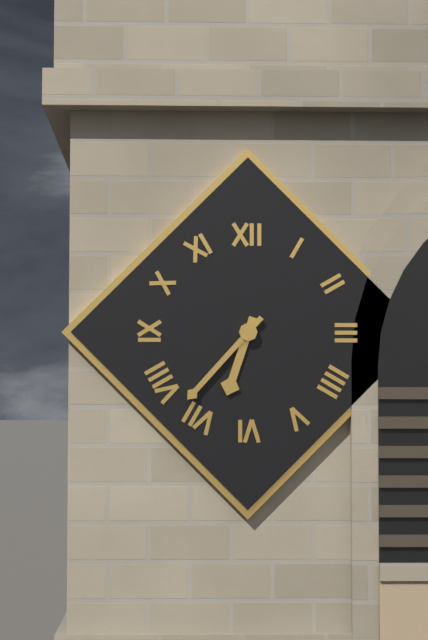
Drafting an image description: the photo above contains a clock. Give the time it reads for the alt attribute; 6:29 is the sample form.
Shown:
6:37
